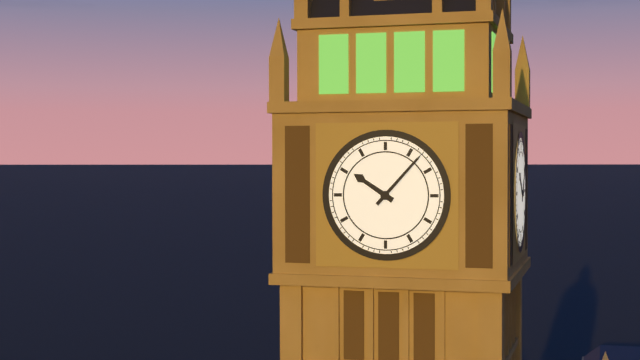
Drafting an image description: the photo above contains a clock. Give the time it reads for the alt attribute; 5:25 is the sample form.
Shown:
10:07
